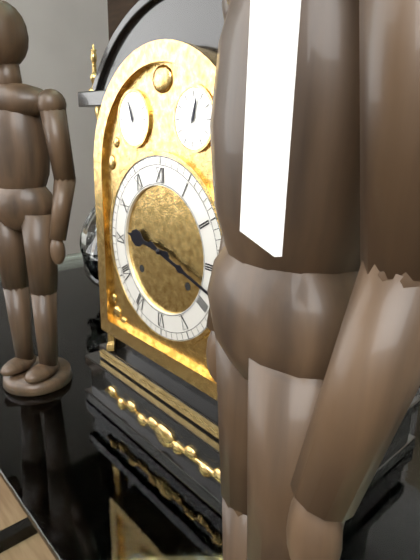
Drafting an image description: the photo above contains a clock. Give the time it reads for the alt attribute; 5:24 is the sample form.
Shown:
9:18
